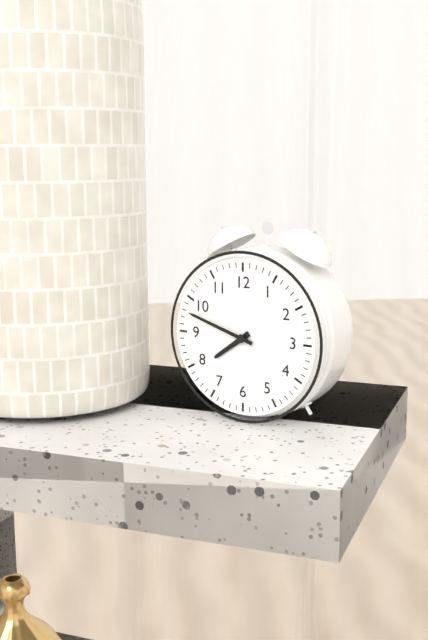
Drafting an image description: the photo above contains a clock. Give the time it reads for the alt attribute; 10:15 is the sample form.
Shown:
7:48
